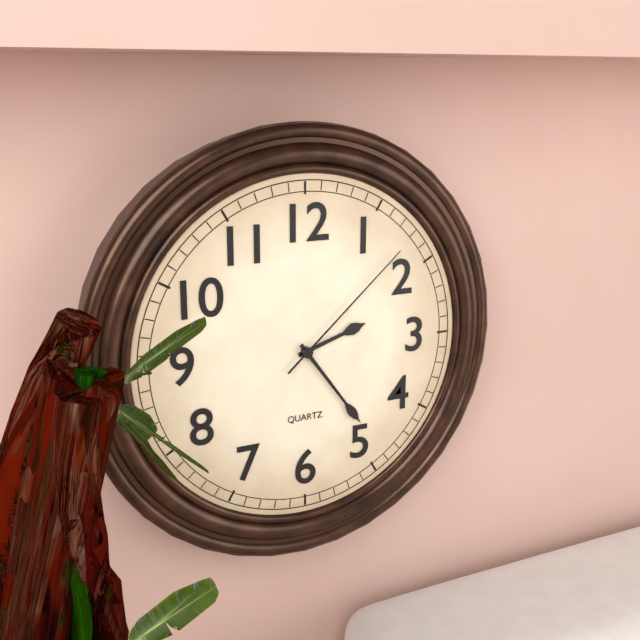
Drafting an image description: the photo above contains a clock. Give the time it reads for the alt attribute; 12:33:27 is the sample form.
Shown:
2:24:08
